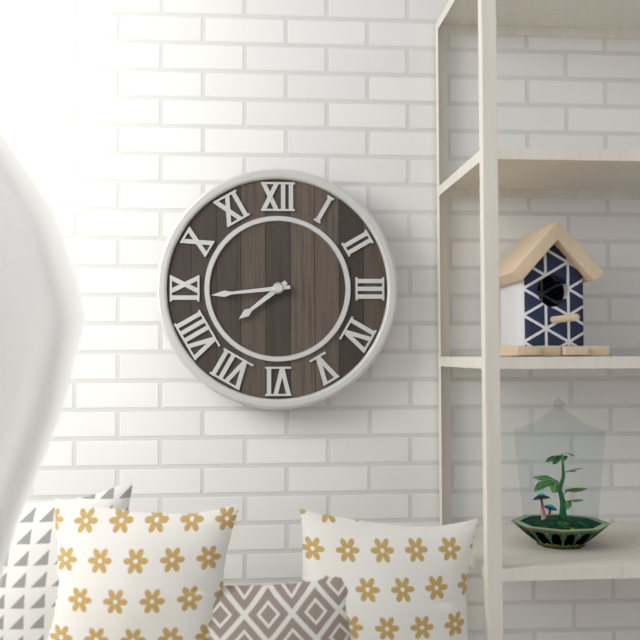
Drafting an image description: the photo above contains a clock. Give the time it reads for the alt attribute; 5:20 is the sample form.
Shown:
7:44
